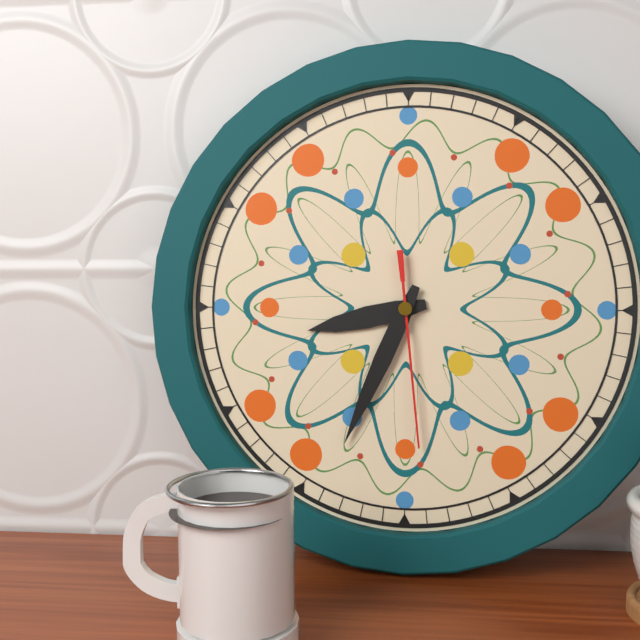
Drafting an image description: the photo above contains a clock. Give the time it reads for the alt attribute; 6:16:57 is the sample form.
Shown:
8:34:29
